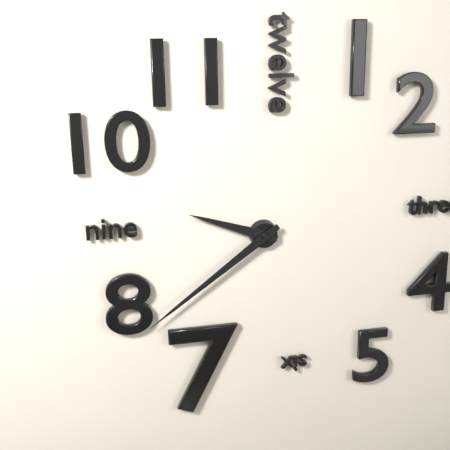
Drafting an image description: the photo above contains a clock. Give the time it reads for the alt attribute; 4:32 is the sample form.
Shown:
9:39
